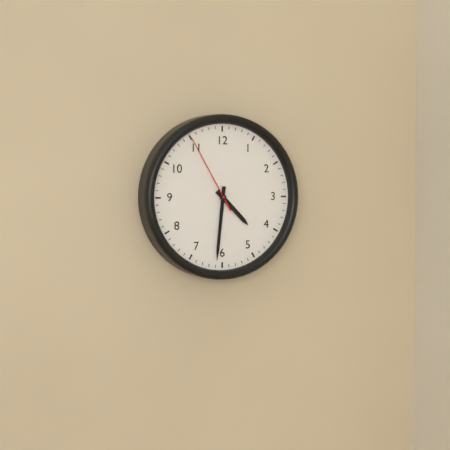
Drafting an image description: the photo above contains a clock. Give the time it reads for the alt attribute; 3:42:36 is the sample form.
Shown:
4:31:55
